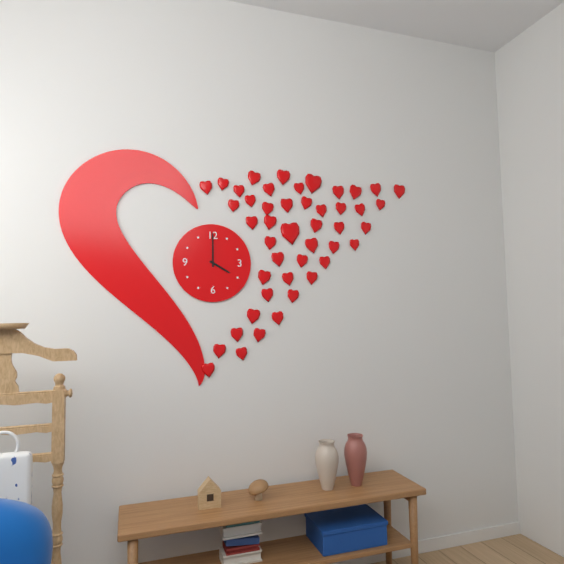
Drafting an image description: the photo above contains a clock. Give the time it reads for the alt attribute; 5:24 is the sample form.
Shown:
4:00
